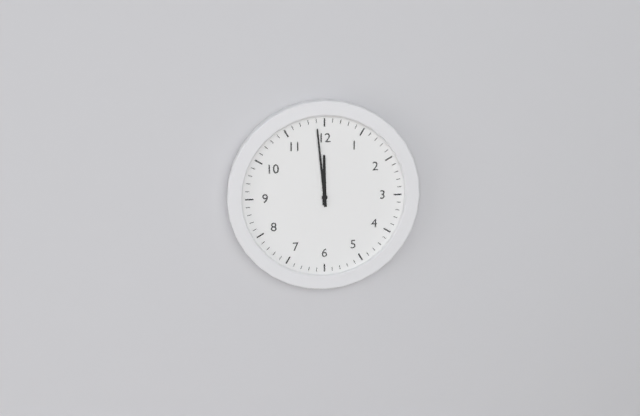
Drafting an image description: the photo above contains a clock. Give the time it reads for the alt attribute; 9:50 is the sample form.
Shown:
11:59
